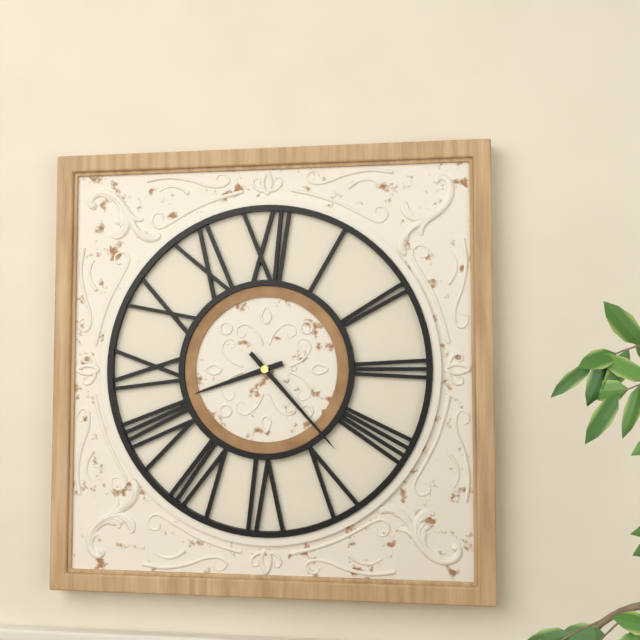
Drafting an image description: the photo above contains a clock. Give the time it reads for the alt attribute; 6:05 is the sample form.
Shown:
8:23
